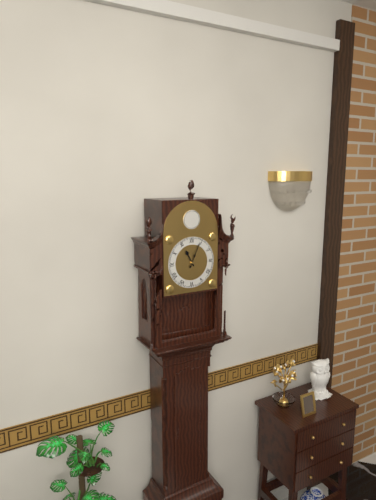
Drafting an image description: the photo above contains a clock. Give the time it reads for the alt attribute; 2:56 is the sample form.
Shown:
11:04
